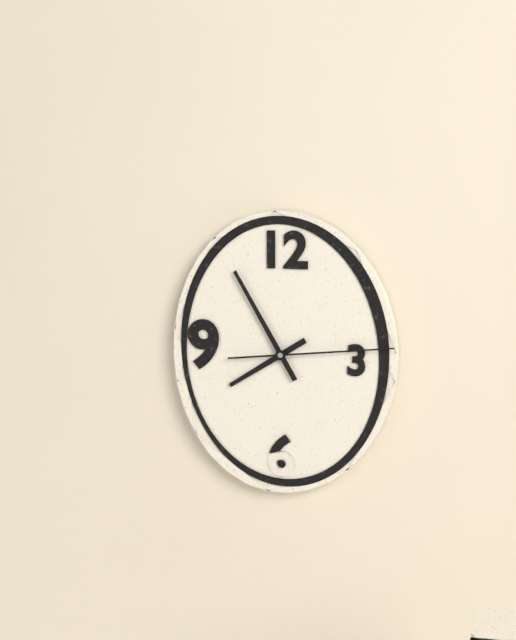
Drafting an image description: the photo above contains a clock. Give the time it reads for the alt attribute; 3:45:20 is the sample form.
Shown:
7:55:14
